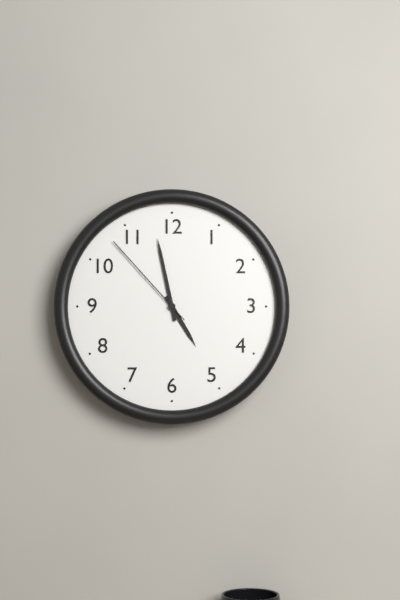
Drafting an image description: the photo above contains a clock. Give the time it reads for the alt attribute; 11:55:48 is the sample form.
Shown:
4:58:53
